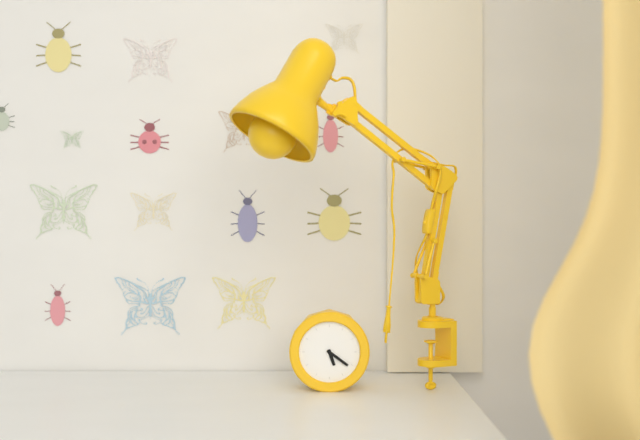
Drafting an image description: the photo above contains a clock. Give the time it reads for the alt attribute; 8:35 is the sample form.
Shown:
5:21
